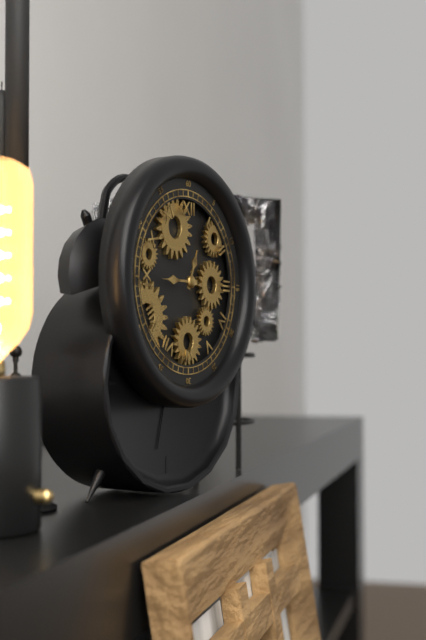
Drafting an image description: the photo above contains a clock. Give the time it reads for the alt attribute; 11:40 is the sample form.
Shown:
12:45
